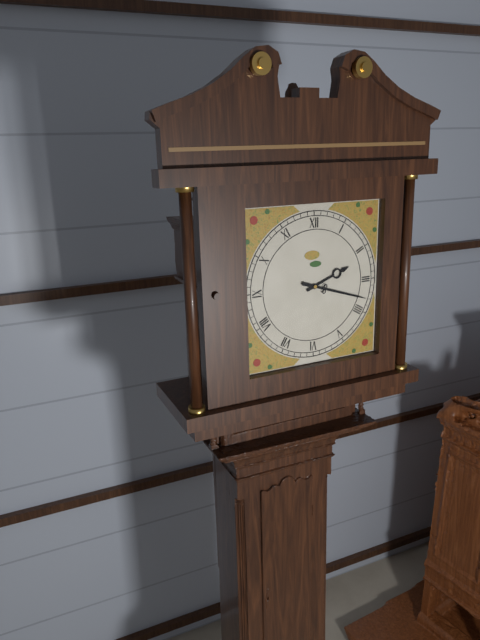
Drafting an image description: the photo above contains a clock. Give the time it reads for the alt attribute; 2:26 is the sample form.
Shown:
2:18
